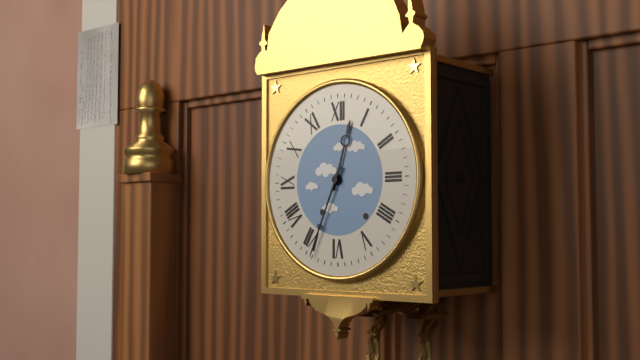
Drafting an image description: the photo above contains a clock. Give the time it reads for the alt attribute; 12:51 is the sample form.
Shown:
12:34
